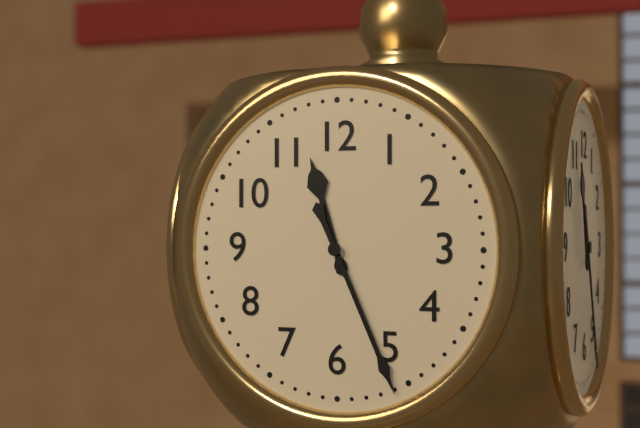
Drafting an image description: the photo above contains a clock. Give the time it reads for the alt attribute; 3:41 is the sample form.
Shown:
11:26
